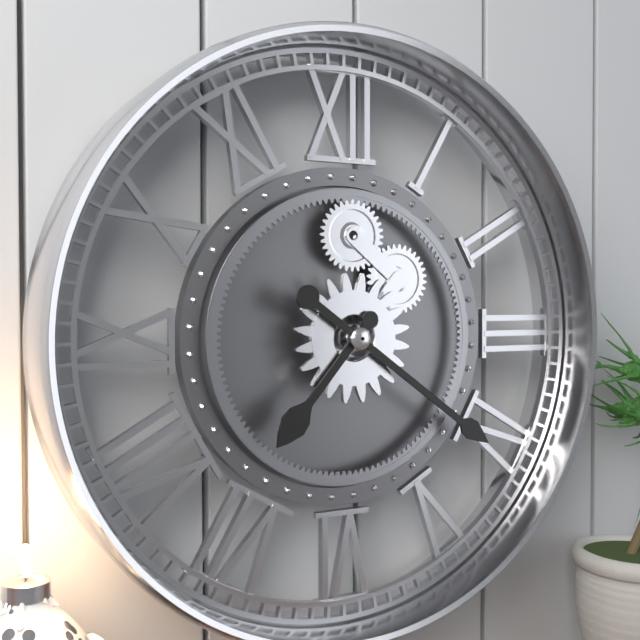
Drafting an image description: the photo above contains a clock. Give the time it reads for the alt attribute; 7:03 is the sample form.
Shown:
7:21
